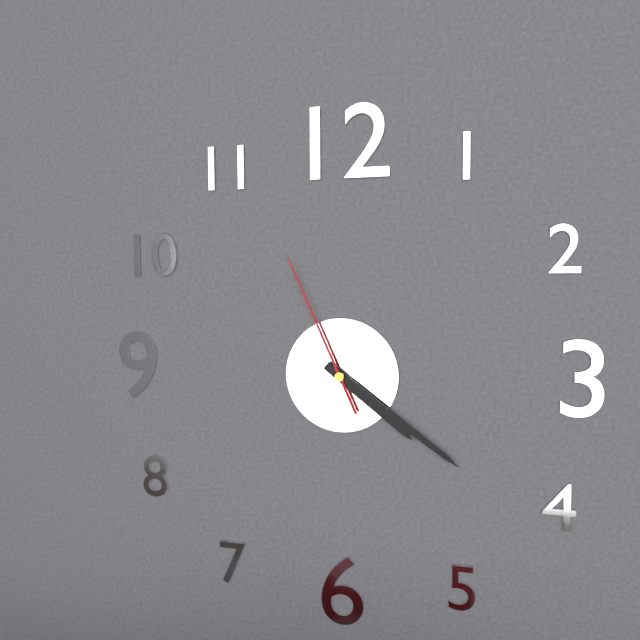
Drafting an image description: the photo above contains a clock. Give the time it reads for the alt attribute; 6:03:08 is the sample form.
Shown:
4:21:56
